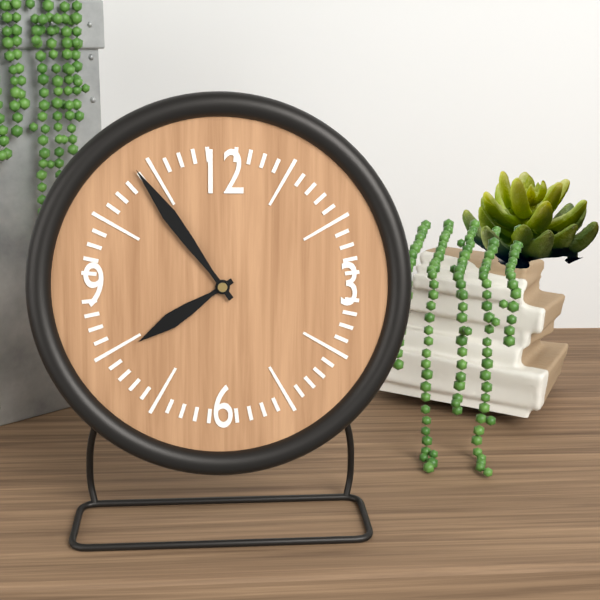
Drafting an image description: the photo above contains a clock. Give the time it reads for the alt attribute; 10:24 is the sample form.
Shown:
7:54
